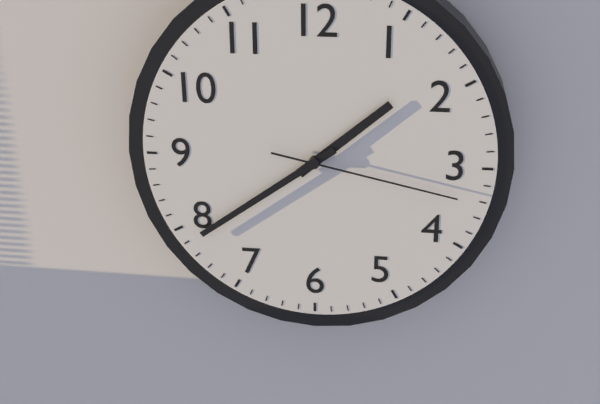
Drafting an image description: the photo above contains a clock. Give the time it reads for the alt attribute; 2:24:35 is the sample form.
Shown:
1:39:17
